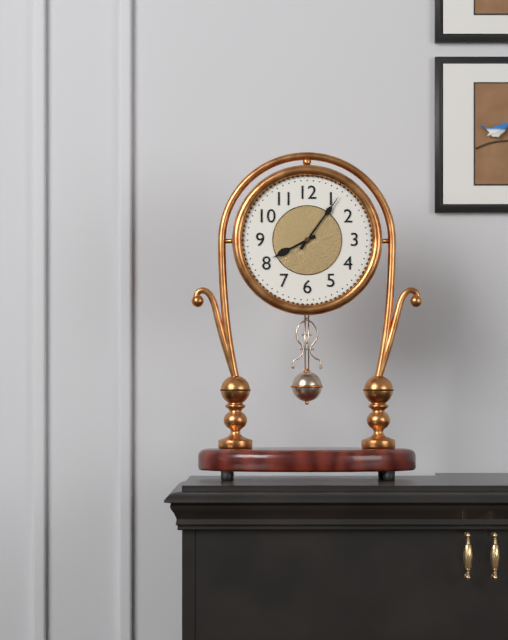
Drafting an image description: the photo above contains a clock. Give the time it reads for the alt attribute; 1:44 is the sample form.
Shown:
8:06
